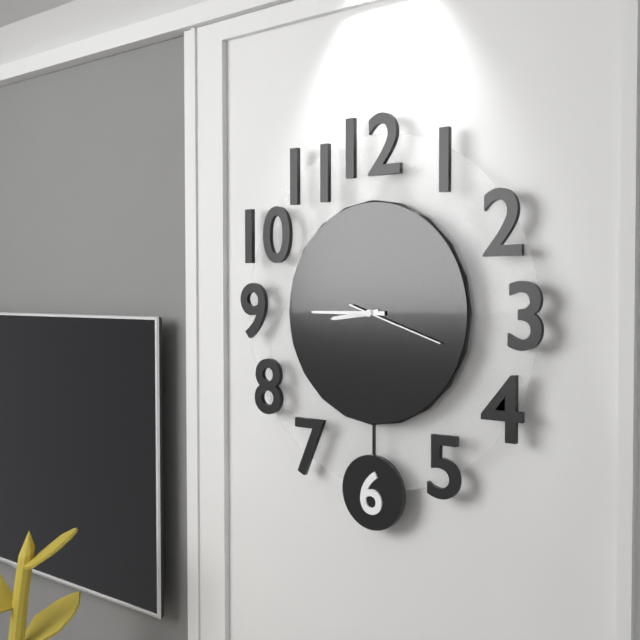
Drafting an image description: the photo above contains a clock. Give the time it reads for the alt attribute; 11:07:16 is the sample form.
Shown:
8:45:18
